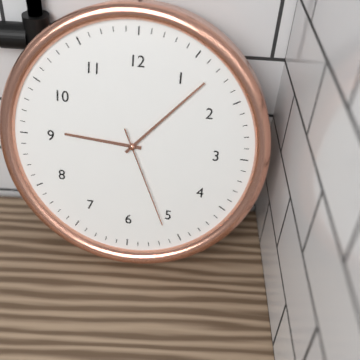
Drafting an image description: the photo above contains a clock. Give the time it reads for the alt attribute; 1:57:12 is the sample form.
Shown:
9:07:26
